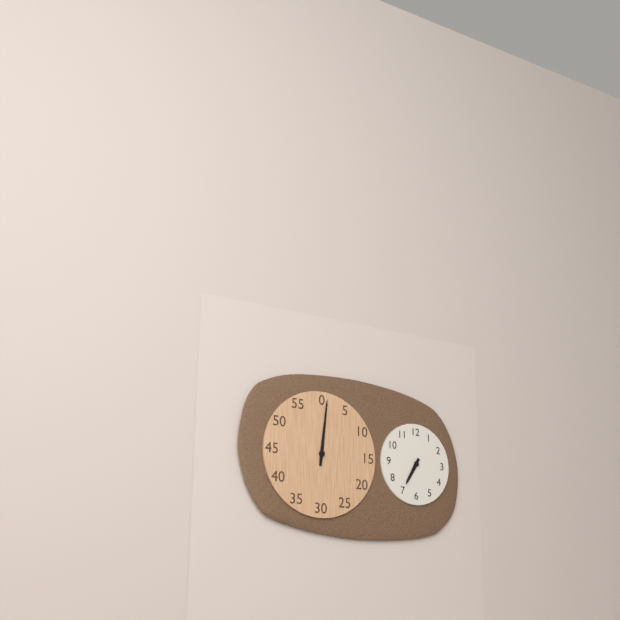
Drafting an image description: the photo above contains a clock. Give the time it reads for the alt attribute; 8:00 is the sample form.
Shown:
7:01
